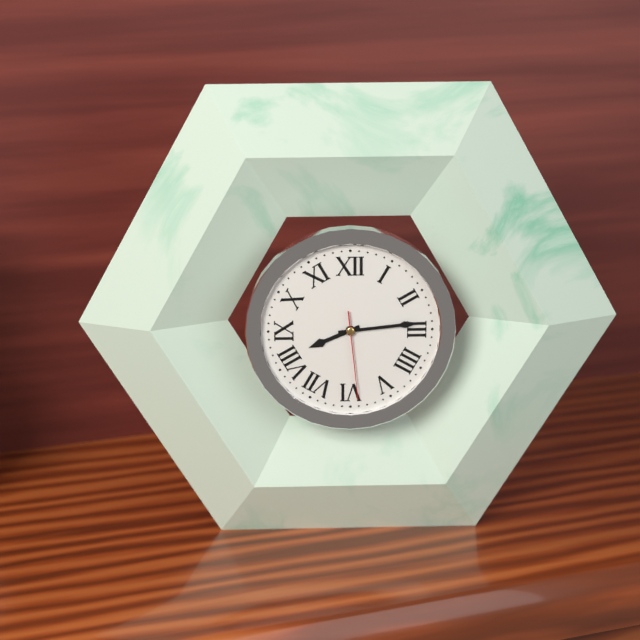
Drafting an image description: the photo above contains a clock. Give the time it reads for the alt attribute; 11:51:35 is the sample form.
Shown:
8:14:29
